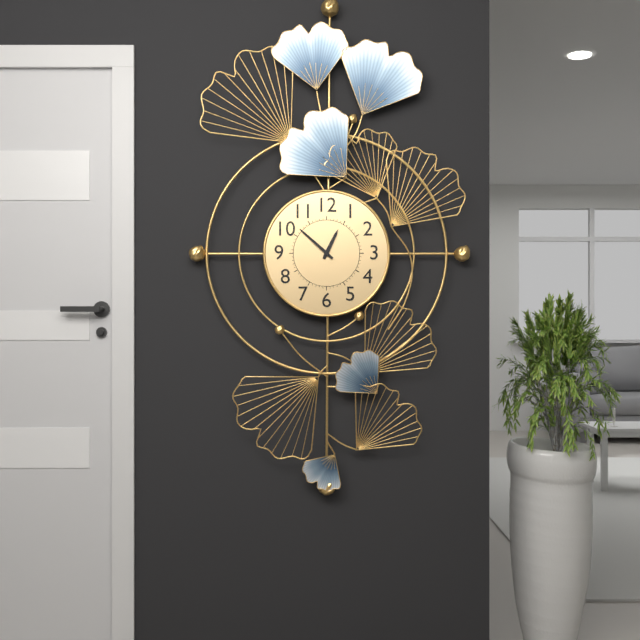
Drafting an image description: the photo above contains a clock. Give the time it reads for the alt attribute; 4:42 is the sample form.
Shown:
12:52
